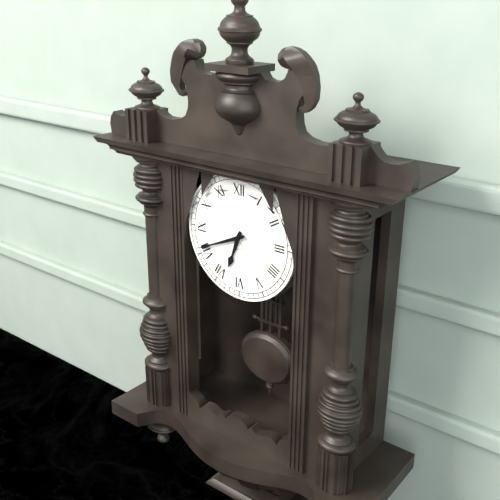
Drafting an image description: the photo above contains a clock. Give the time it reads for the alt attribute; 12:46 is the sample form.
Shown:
6:41
